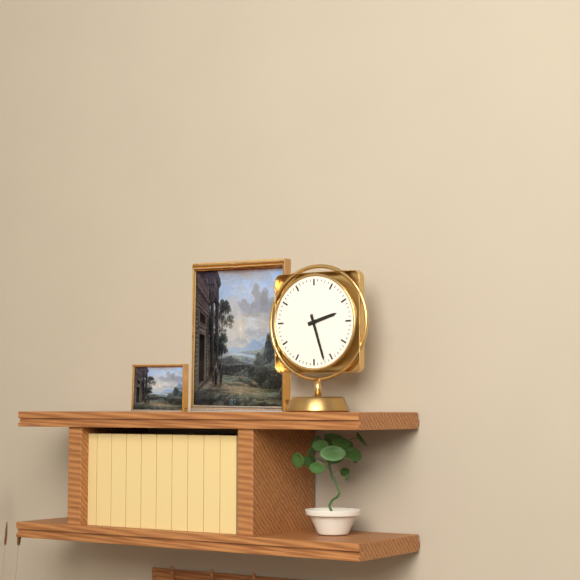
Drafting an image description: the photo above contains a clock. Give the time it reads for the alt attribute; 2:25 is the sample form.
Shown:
2:27
